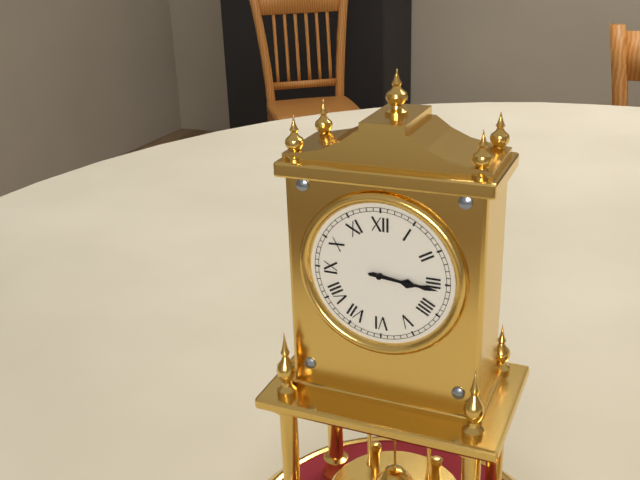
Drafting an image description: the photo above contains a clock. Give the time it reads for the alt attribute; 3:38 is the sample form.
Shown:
3:16
